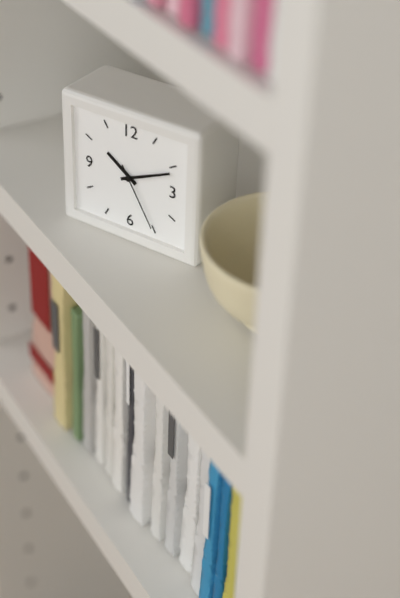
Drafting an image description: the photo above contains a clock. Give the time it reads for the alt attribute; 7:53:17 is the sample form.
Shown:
10:11:25
